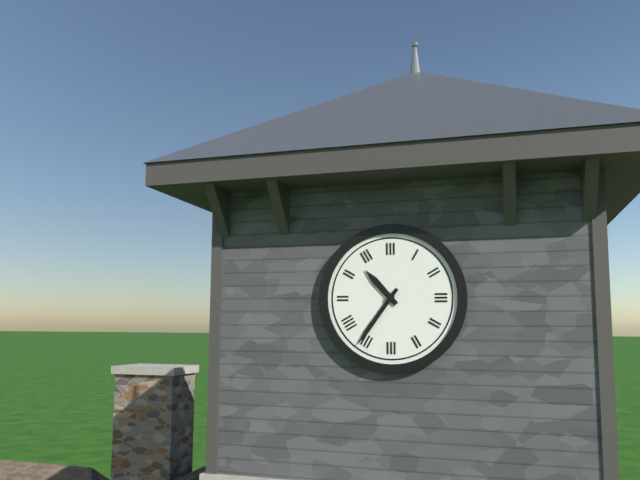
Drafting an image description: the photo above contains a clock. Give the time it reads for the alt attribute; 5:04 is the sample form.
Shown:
10:36
